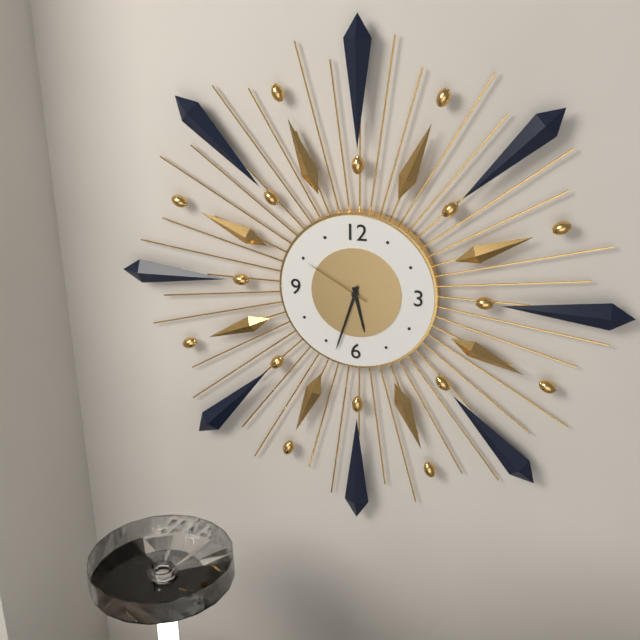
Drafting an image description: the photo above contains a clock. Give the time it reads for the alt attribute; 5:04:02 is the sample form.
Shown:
5:33:50
